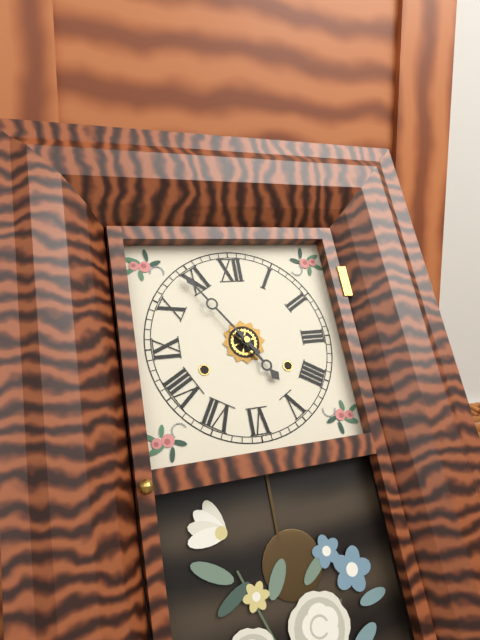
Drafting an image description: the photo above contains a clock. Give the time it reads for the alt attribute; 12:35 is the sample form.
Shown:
4:54
